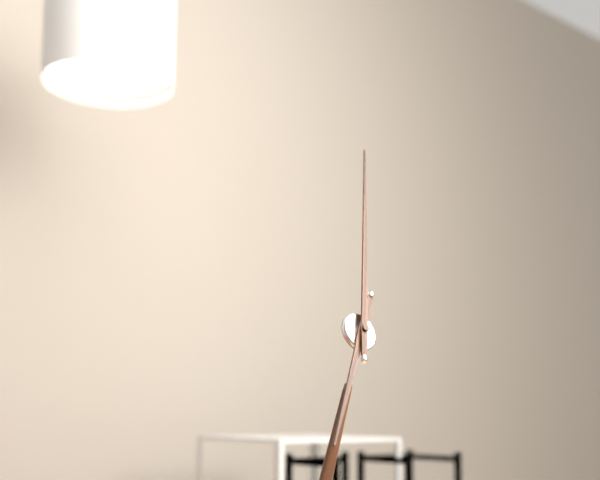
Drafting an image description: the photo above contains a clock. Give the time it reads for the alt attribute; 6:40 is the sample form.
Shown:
7:03
